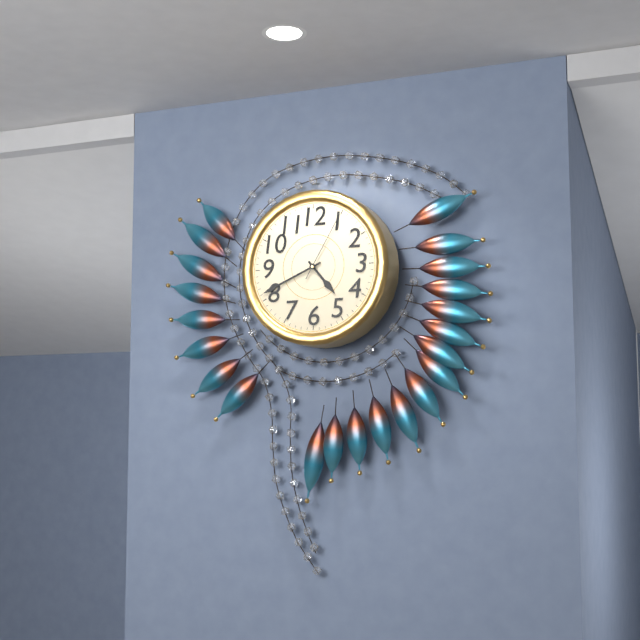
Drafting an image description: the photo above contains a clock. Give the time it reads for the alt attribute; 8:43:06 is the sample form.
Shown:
4:41:05
